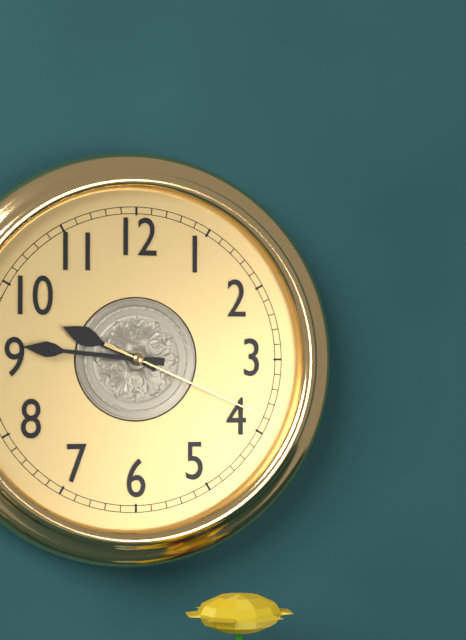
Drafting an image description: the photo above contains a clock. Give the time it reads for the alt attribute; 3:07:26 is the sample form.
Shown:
9:46:19
